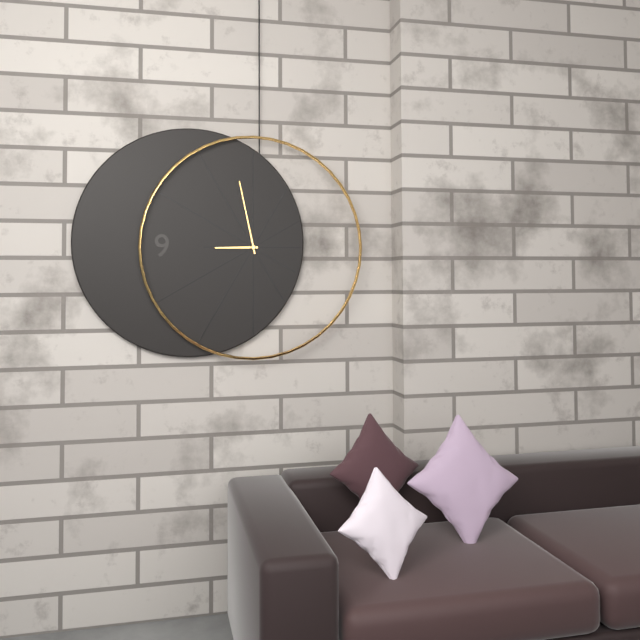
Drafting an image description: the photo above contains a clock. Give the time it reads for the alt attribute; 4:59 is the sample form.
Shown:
8:58
